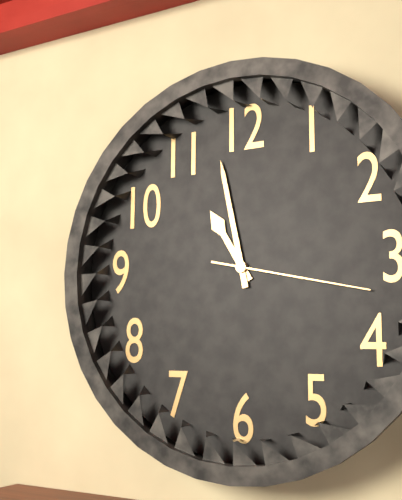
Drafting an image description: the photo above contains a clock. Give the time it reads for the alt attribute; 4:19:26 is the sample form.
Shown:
10:58:17
